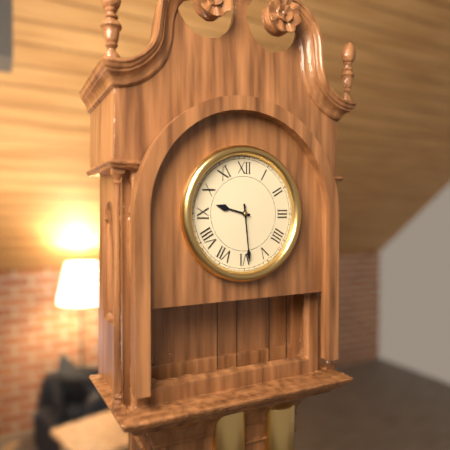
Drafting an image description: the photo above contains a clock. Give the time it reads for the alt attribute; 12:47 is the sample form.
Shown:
9:29
